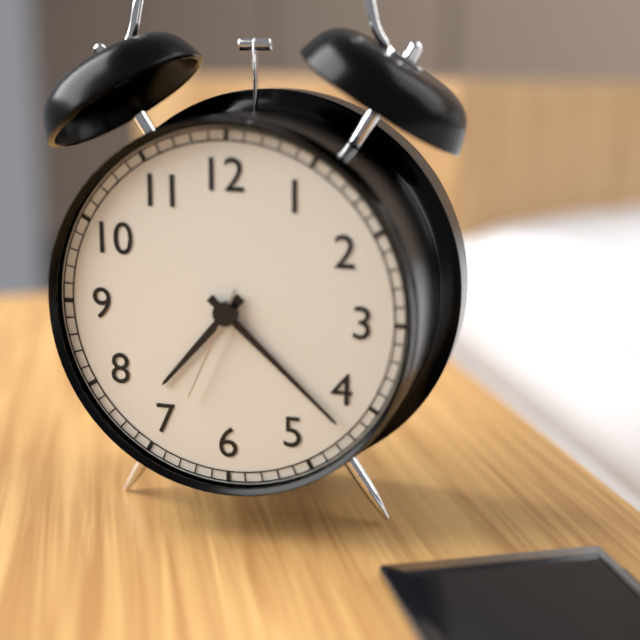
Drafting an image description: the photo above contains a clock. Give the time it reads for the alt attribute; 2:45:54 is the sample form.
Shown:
7:22:34
